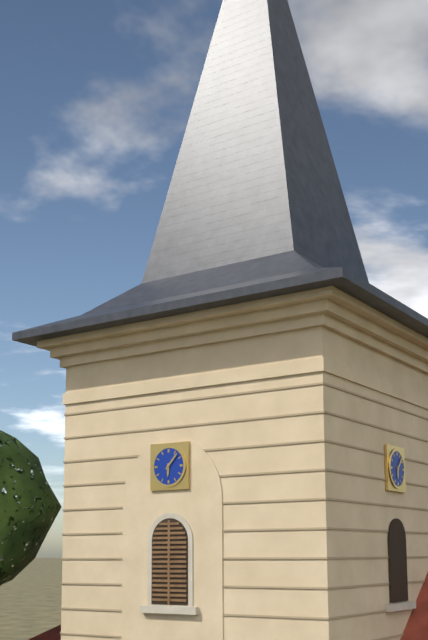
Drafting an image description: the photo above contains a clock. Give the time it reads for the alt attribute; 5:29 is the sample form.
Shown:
6:07
